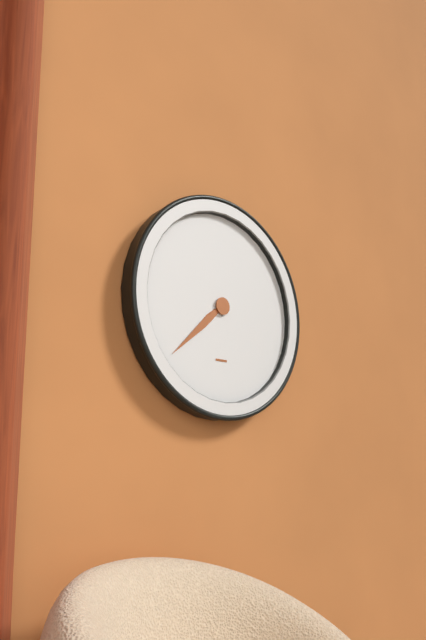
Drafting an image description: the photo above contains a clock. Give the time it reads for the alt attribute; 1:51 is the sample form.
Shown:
7:38
